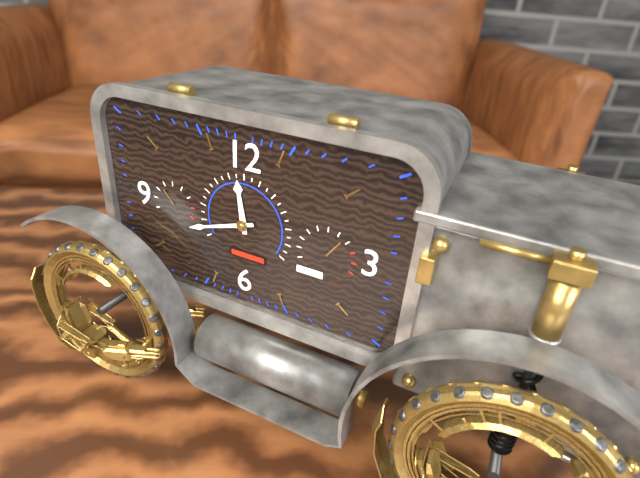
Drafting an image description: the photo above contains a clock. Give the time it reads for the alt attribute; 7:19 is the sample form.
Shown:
11:42
